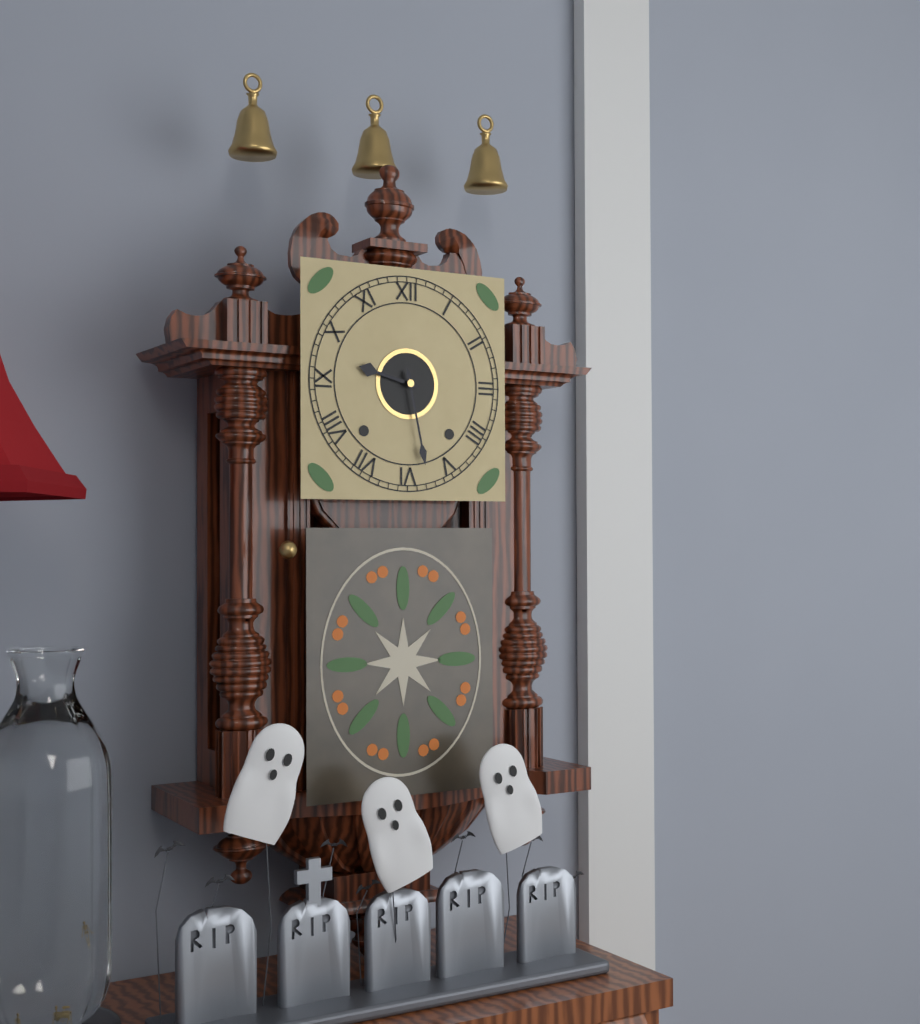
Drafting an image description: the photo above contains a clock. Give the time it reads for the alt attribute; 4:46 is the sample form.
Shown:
9:28
